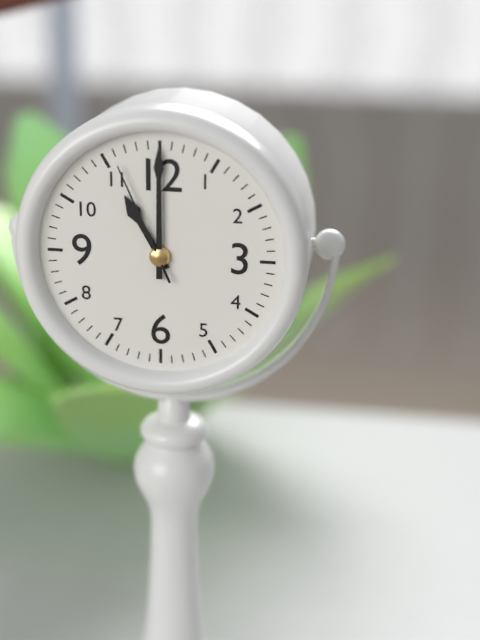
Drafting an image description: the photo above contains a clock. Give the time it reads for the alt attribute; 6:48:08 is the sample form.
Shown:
11:00:56
